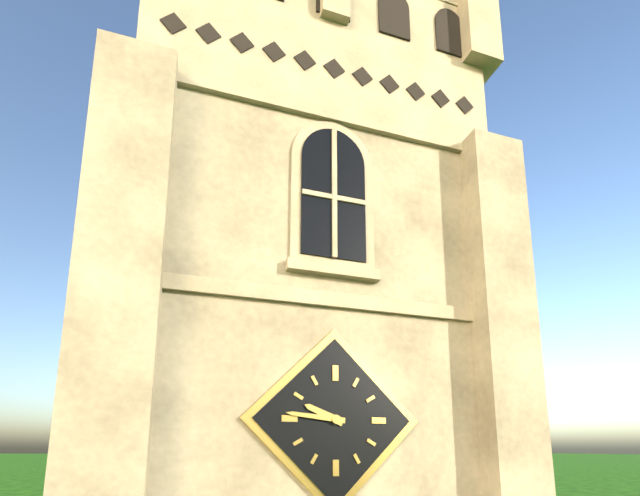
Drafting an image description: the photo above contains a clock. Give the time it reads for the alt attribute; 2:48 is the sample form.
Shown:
9:46
